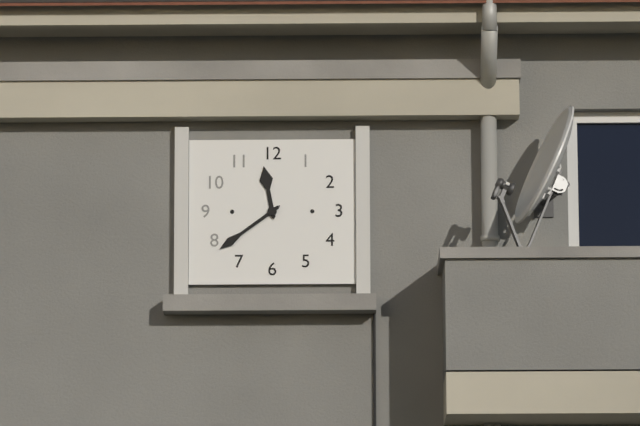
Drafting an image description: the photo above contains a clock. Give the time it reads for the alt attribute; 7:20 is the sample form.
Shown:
11:39
